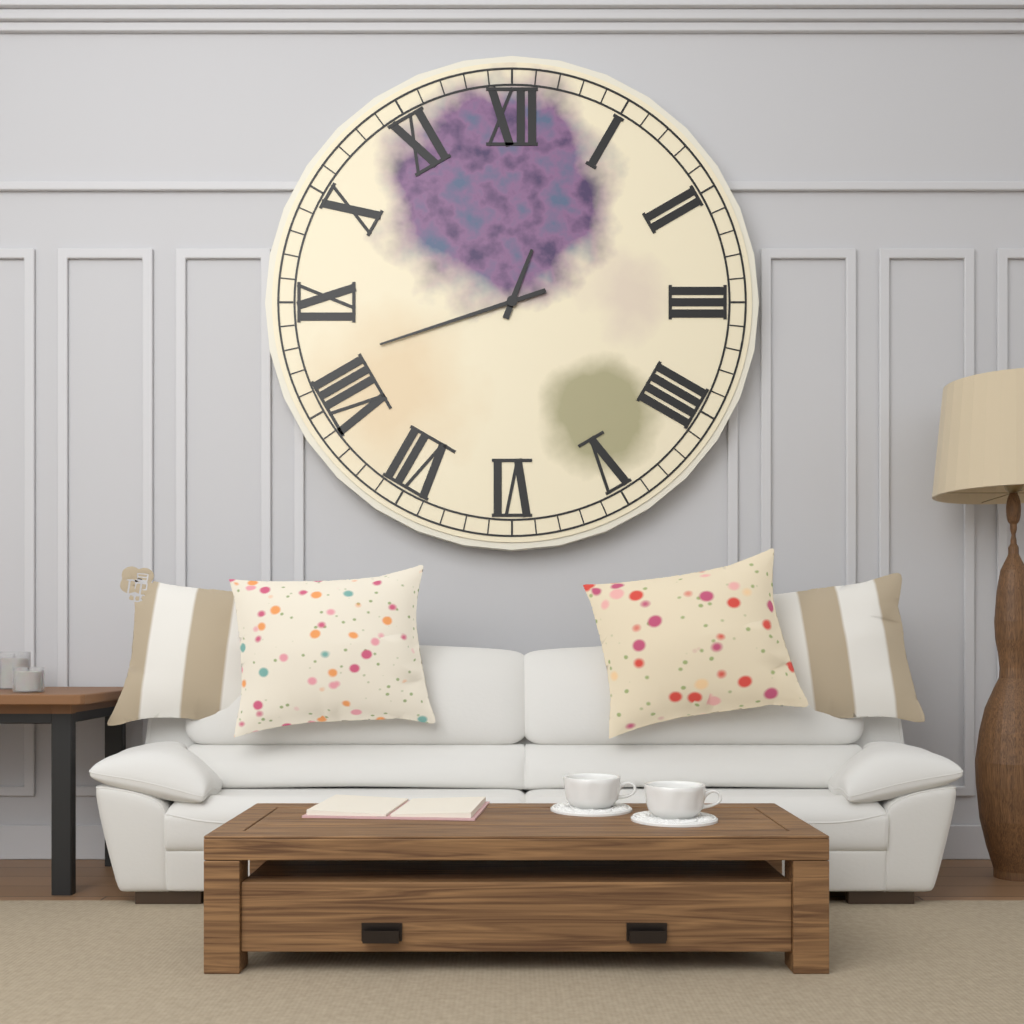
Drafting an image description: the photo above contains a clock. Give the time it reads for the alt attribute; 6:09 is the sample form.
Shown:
12:42
